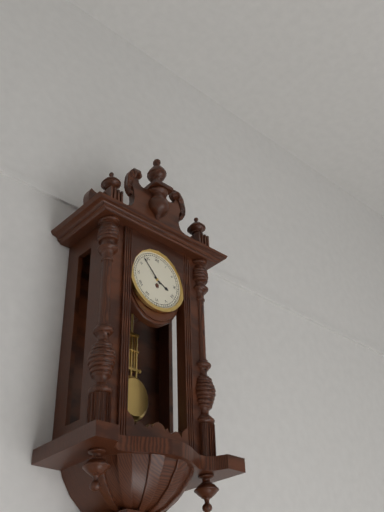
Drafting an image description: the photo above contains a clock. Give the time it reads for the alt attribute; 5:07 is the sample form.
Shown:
3:53
